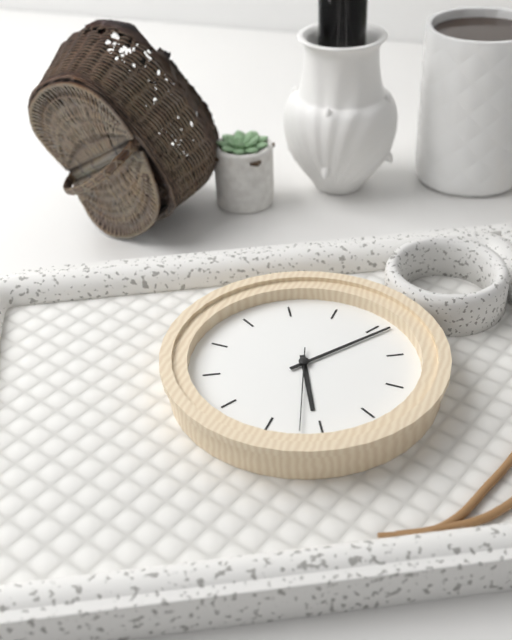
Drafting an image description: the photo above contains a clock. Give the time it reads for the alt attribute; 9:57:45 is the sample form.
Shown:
5:06:27
